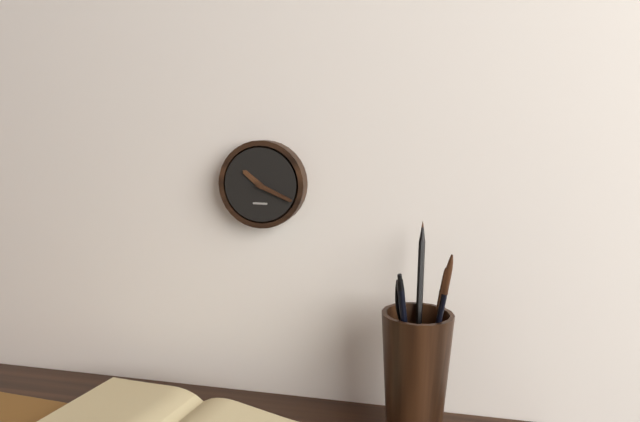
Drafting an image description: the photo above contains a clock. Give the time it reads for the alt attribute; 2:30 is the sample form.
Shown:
10:19
